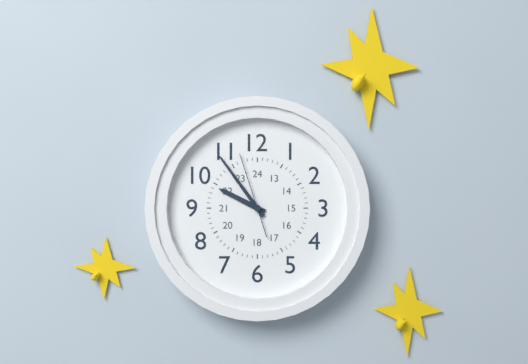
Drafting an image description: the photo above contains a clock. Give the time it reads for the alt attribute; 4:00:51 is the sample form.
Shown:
9:54:57
